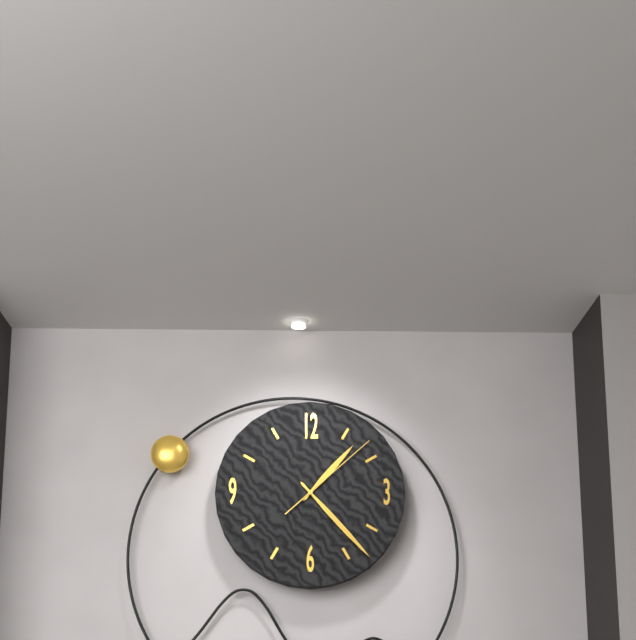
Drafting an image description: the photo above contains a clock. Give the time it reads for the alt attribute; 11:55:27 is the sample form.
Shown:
1:23:08
